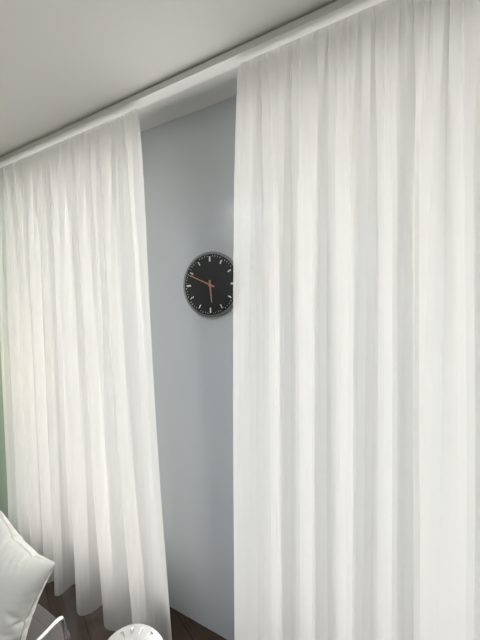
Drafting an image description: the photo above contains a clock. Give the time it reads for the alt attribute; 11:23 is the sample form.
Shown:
5:49
